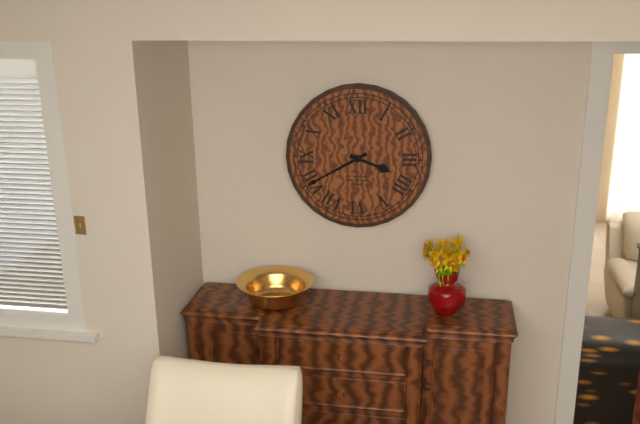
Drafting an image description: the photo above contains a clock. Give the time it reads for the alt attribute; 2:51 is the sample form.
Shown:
3:40
